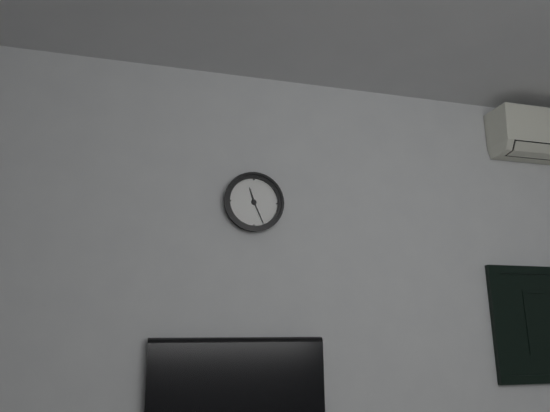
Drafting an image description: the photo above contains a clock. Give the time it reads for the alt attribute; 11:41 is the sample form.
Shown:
11:26
